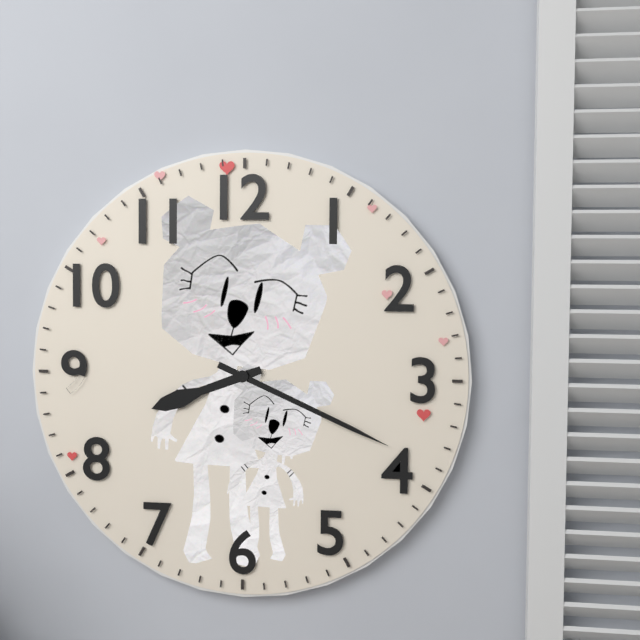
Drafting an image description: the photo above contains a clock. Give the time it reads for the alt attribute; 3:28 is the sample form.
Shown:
8:19
